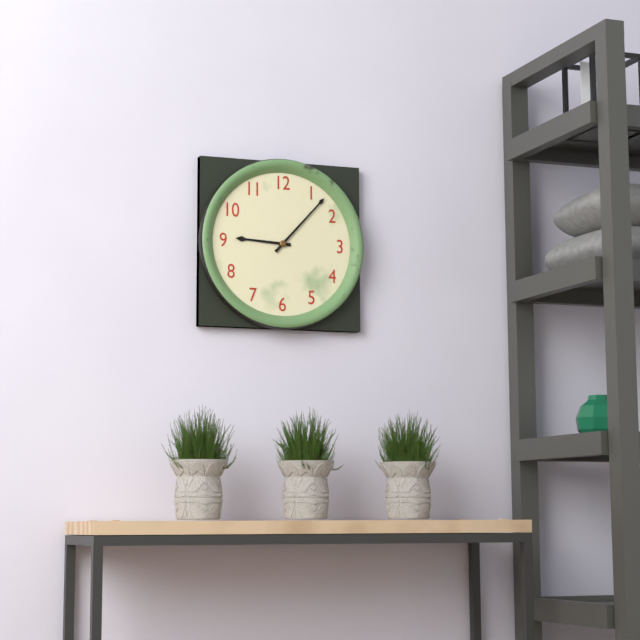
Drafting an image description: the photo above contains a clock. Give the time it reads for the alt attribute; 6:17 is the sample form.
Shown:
9:07
